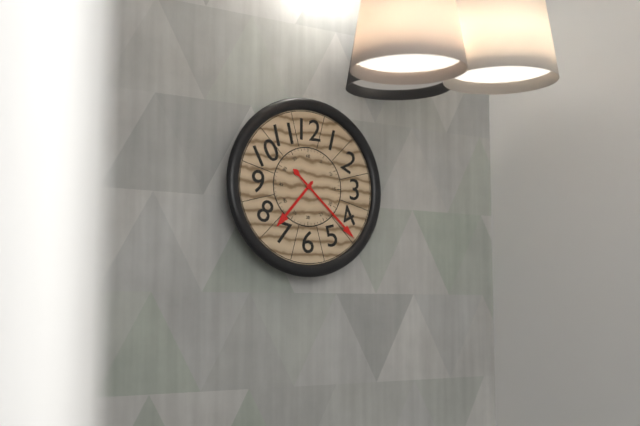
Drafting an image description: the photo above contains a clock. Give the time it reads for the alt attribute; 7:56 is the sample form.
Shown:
7:22
